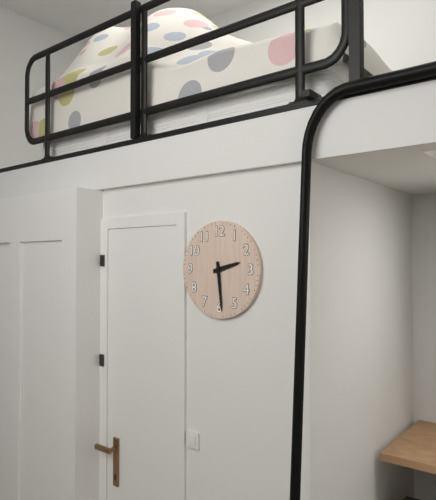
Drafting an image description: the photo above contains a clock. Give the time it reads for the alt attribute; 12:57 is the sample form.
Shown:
2:29
